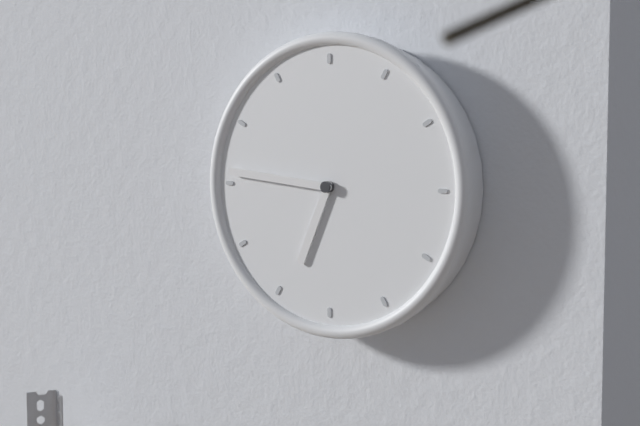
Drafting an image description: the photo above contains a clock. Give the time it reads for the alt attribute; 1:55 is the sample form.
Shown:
6:46
